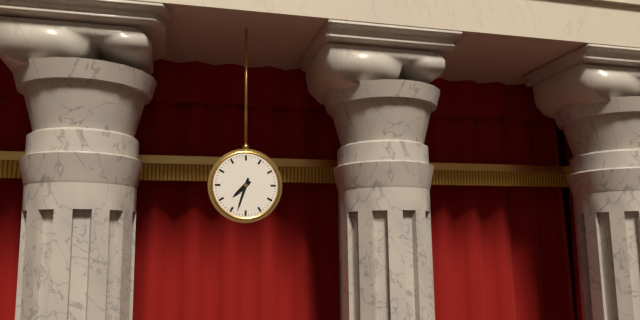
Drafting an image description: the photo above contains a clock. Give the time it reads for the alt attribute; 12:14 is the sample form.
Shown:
7:33
